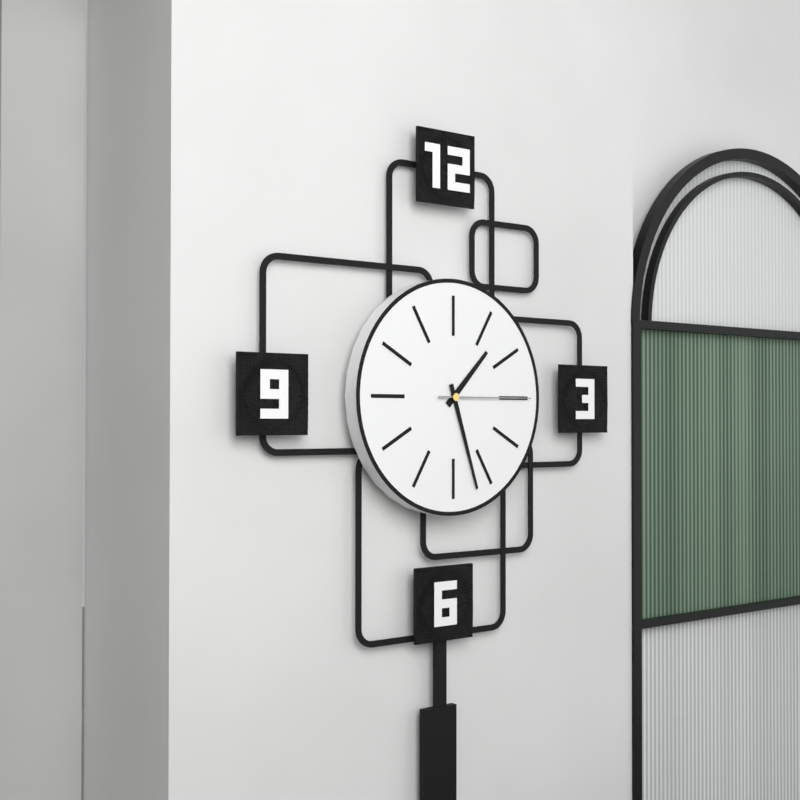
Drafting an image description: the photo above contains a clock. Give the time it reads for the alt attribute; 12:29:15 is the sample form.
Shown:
1:27:15
